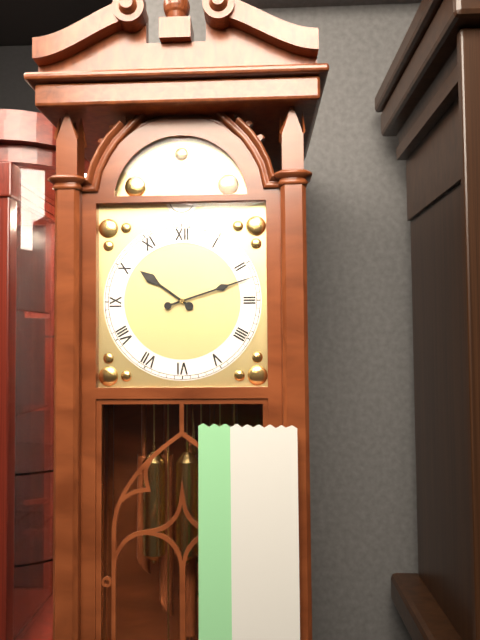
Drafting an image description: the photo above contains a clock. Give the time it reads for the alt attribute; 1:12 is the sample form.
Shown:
10:12
